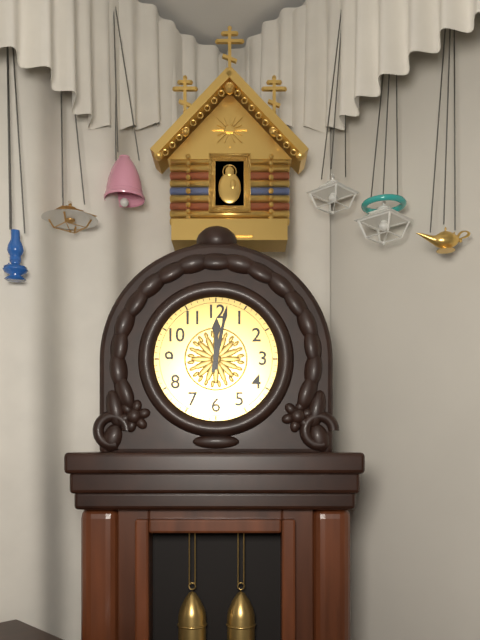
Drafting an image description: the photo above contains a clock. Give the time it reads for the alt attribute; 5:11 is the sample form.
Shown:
12:02
